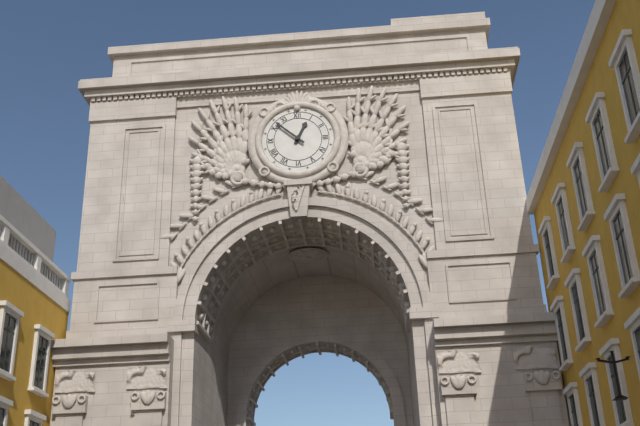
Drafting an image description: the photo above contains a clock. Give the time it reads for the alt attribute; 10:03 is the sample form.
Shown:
12:52
